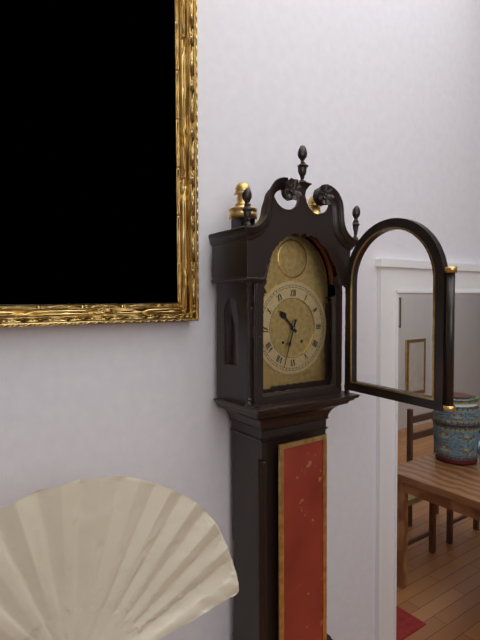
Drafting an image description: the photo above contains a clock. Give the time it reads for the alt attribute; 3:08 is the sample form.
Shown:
10:33
